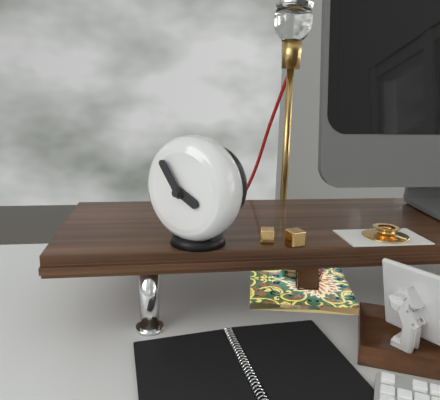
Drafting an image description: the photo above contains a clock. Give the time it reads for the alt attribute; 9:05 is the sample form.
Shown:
3:54
